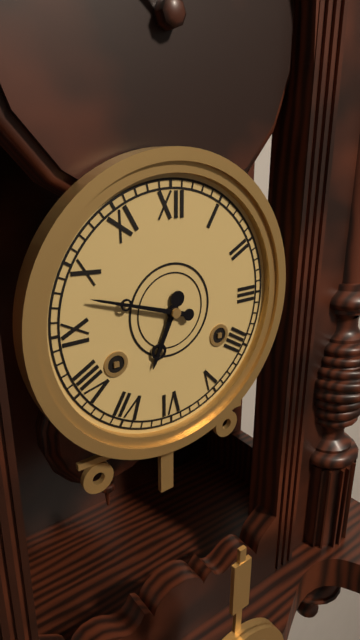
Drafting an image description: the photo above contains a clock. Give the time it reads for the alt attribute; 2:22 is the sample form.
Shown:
6:48
